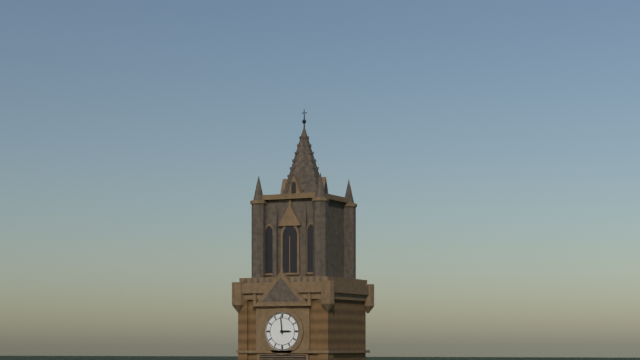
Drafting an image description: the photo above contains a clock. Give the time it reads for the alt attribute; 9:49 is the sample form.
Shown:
2:59
